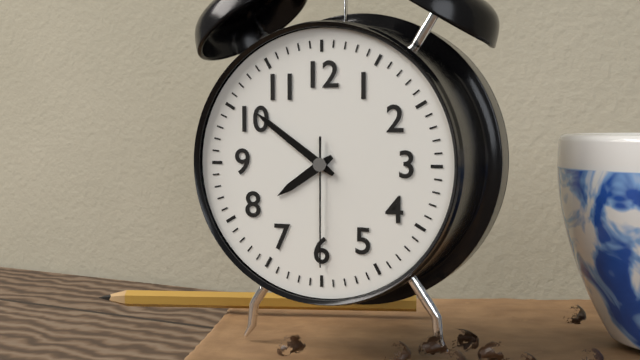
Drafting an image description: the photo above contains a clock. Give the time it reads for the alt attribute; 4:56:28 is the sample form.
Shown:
7:51:30
